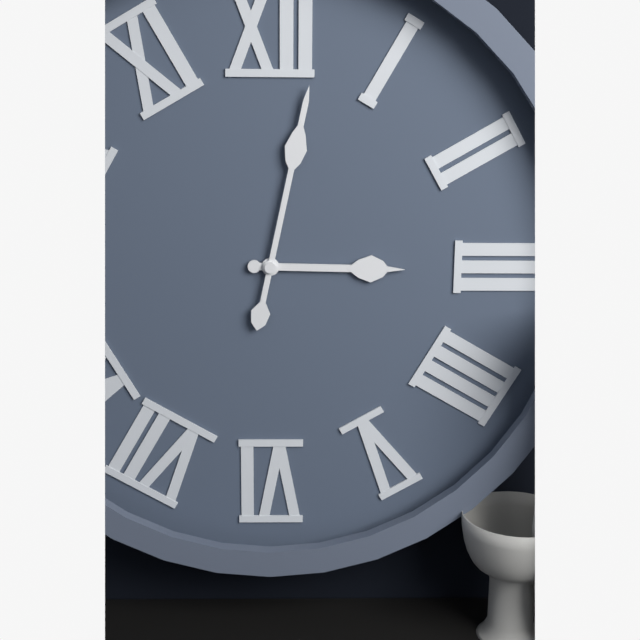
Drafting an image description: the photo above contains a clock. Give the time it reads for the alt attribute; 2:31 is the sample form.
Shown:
3:02
